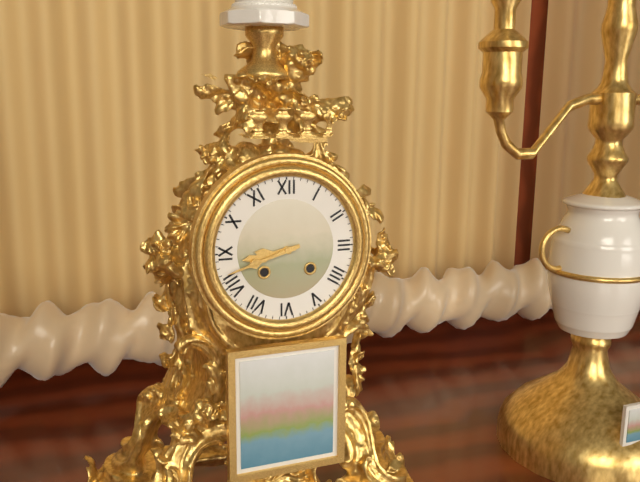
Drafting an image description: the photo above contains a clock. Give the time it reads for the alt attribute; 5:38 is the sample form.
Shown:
8:42
